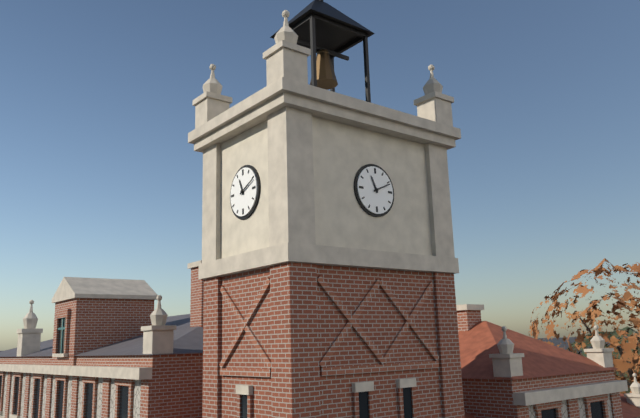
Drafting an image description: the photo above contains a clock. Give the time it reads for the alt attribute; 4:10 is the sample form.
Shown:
11:11
